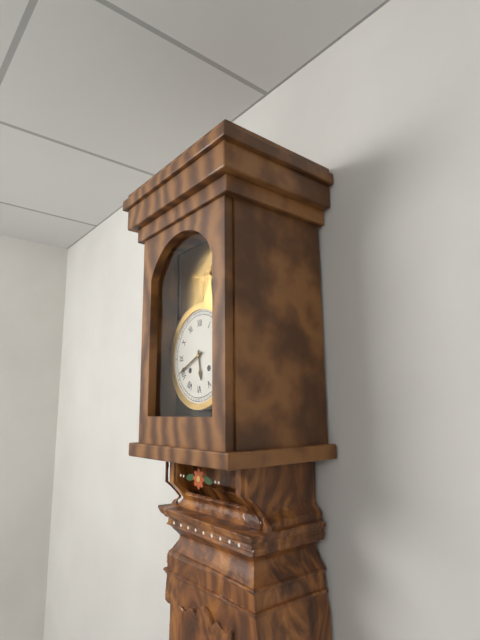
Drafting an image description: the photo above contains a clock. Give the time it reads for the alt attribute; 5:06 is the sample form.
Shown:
5:41
